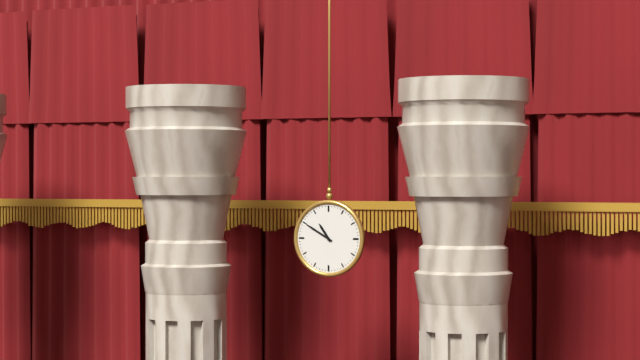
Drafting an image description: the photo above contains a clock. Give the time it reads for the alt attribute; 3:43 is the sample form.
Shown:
10:50
